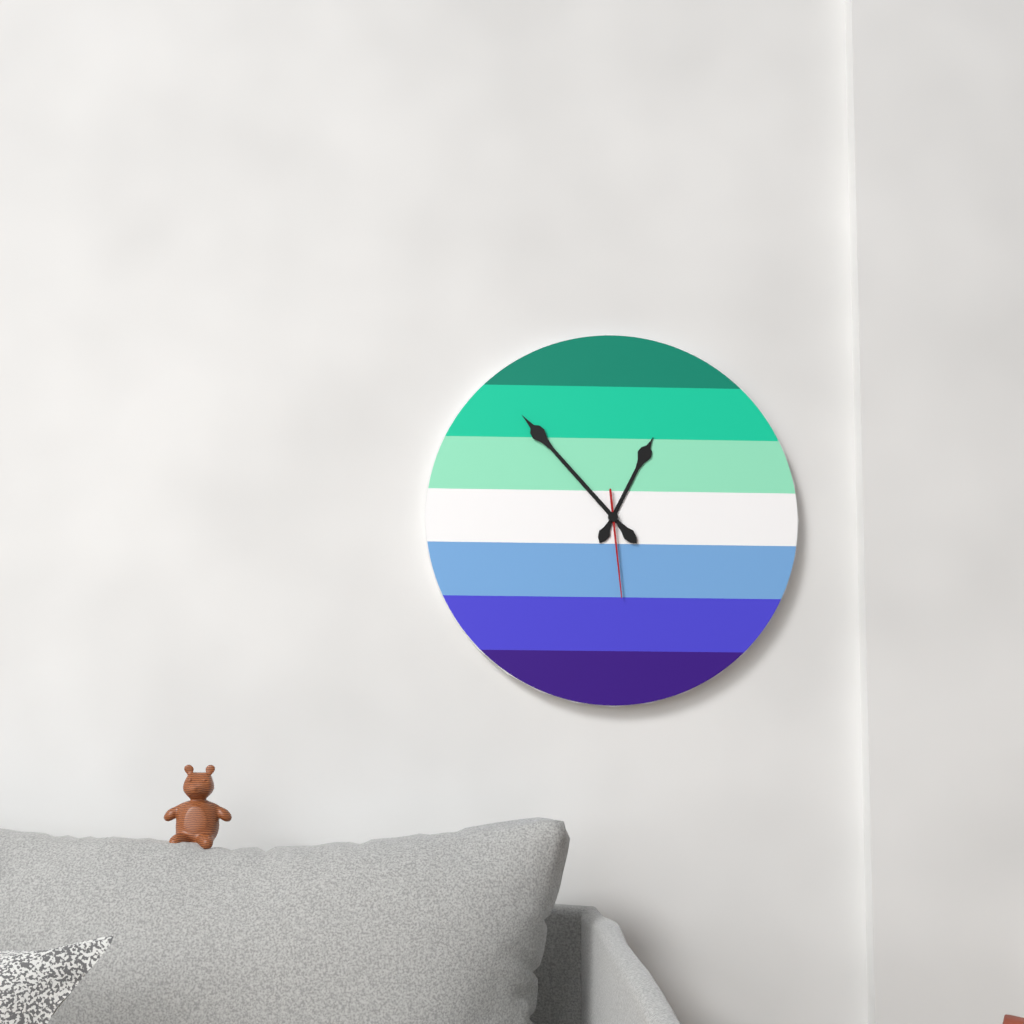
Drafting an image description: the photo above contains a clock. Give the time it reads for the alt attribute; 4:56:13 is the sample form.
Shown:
12:53:29
